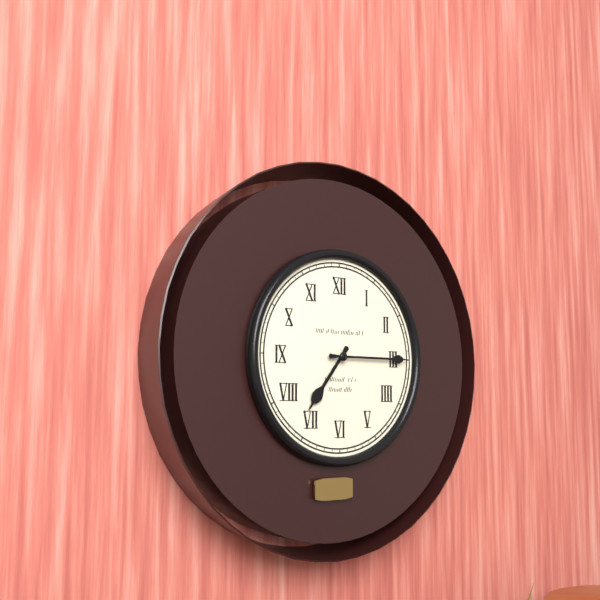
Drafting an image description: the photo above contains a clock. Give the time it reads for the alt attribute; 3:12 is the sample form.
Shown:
7:15
